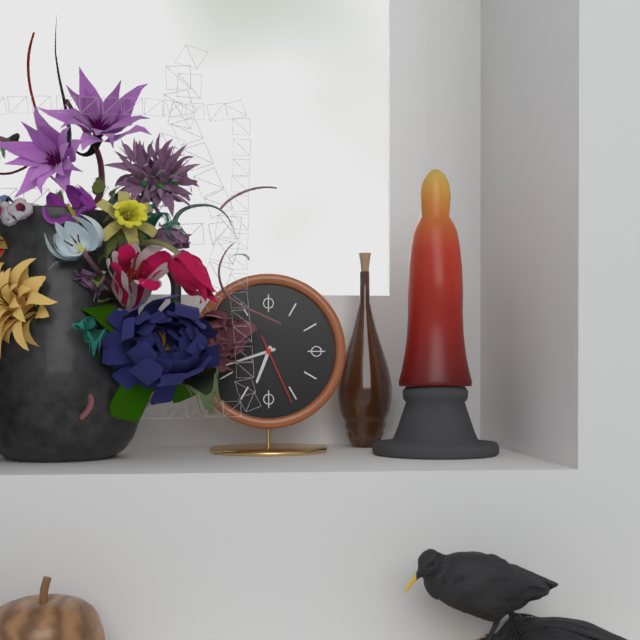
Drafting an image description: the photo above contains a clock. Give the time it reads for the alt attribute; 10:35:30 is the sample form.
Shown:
6:42:26
